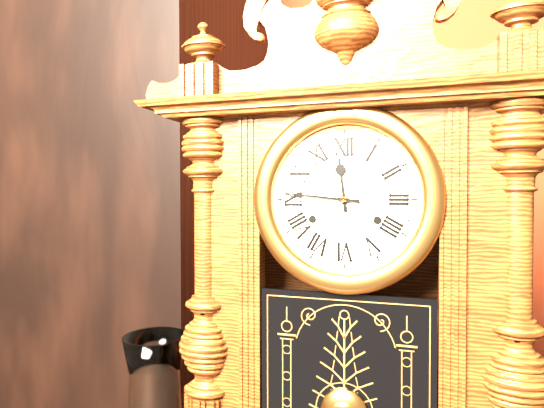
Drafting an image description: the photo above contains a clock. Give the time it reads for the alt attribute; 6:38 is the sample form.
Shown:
11:46
